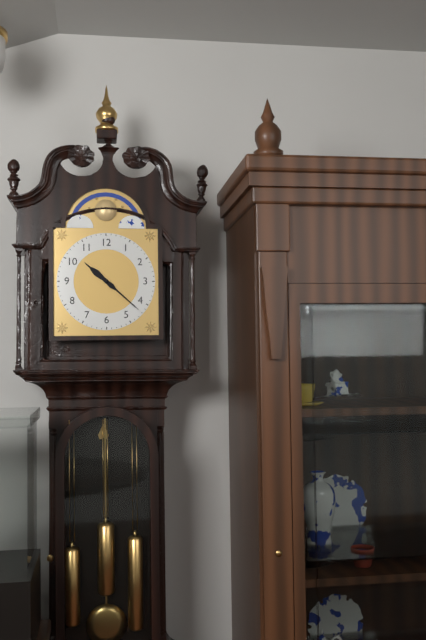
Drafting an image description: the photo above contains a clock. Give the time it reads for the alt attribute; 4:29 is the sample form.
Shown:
10:22
